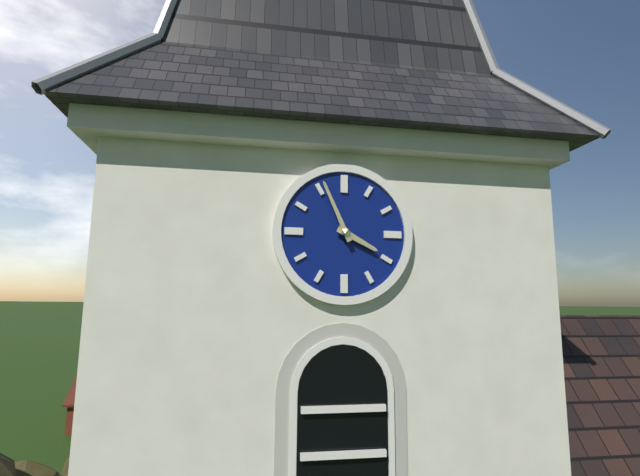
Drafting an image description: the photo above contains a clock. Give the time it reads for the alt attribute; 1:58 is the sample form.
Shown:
3:56
